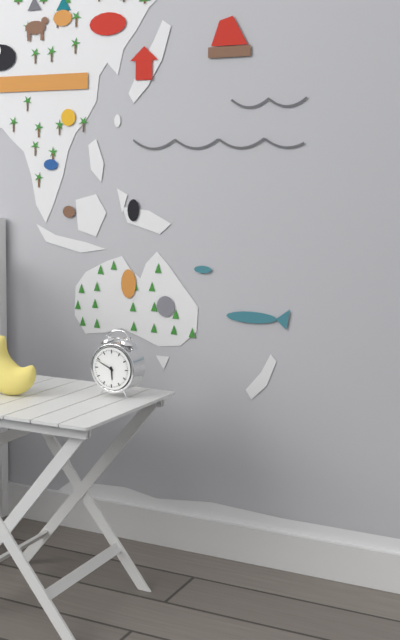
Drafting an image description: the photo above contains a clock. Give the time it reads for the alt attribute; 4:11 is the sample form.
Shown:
5:49
